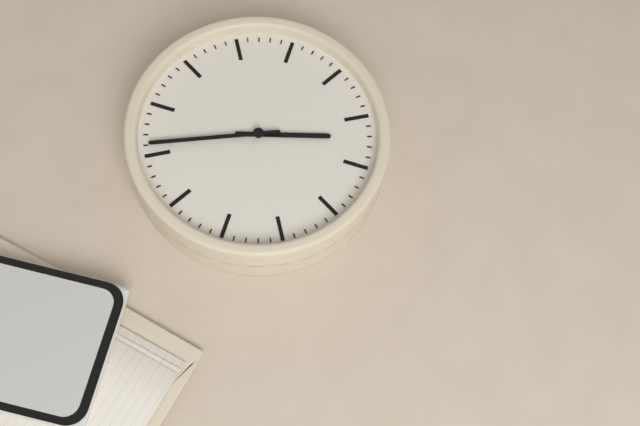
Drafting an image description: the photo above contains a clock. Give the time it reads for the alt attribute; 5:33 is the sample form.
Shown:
11:26
